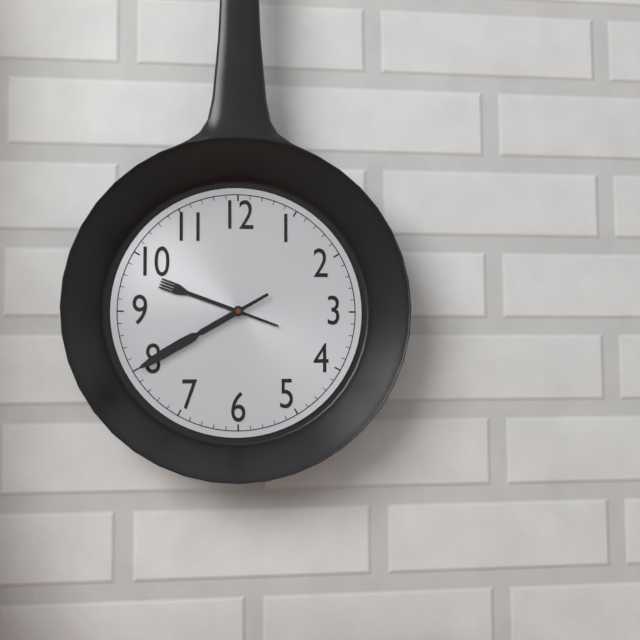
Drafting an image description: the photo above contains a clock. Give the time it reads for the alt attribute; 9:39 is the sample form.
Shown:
9:40
